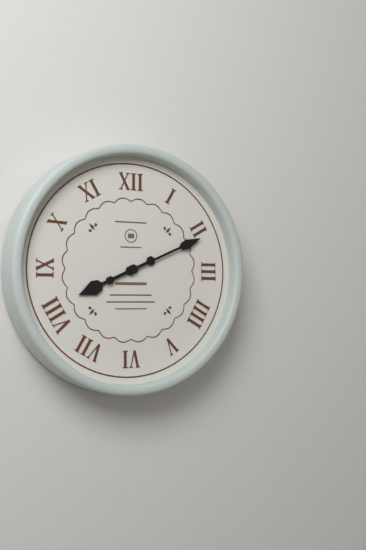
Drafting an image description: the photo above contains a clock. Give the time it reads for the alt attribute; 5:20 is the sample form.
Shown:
8:11
